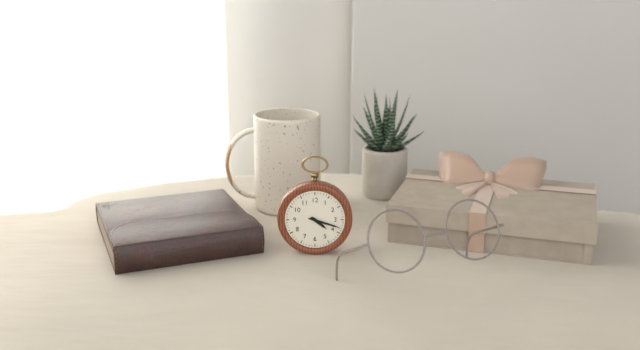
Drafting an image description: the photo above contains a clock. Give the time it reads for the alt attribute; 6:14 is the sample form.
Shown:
4:18
